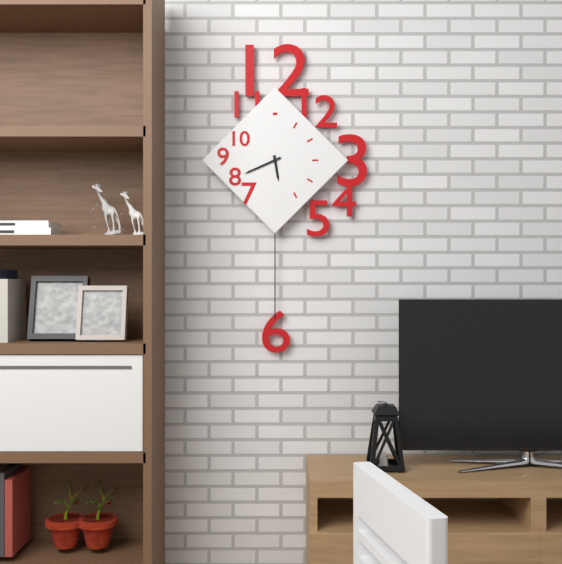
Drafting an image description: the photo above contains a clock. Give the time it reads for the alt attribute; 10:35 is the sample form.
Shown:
5:41
